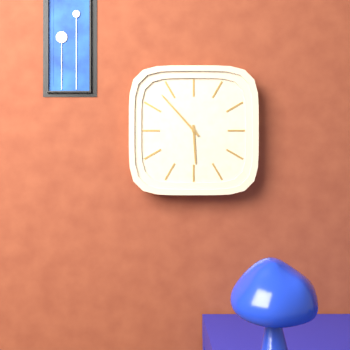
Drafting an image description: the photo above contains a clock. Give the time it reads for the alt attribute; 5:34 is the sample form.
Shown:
5:53
